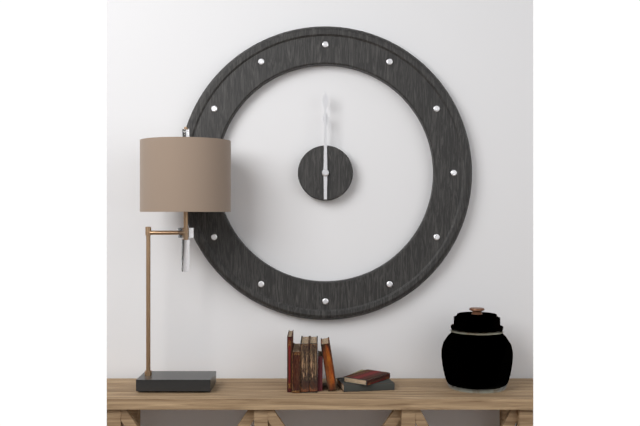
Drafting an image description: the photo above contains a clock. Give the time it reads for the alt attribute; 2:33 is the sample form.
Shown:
12:00
